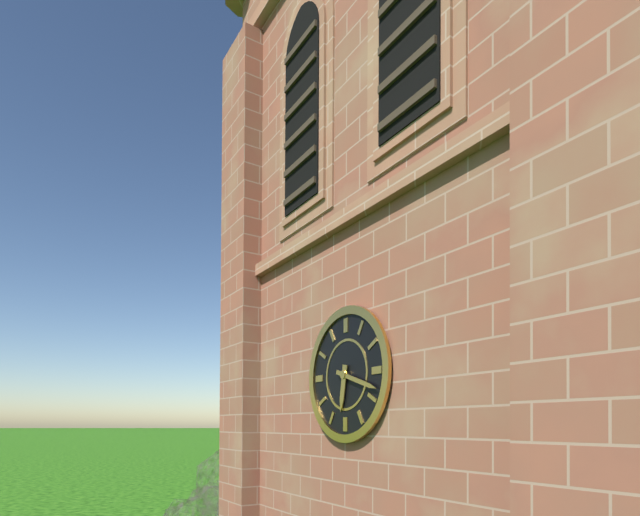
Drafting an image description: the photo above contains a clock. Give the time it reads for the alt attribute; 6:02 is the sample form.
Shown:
6:18
